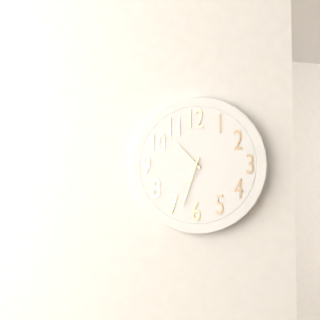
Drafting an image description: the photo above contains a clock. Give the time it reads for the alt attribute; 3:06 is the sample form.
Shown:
10:33
